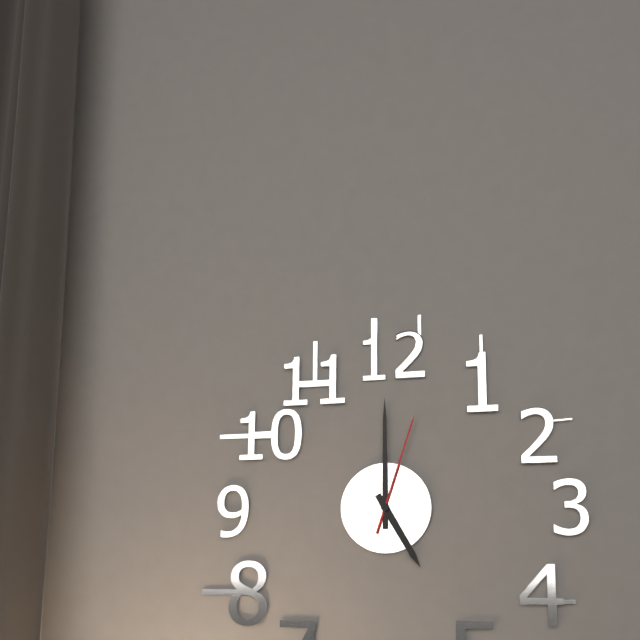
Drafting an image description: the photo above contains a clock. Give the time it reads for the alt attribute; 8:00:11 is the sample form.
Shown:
5:00:03
